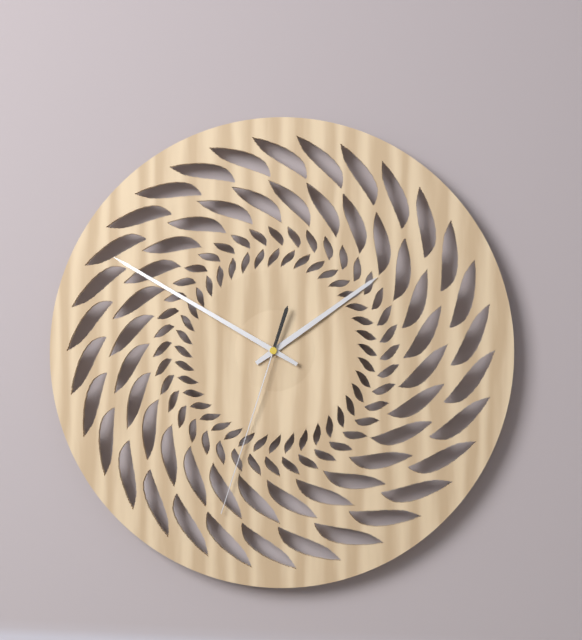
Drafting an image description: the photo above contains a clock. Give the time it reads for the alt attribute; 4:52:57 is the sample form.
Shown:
1:50:33
